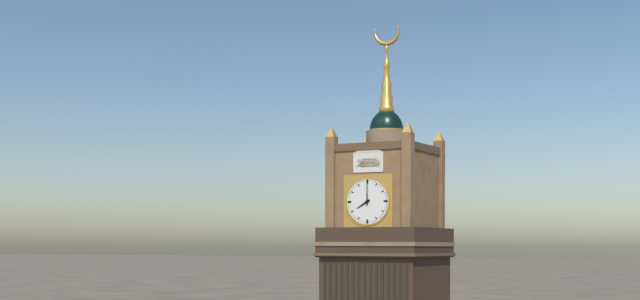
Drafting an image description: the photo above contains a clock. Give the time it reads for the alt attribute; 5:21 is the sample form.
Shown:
8:00
